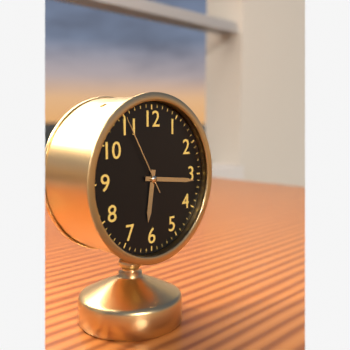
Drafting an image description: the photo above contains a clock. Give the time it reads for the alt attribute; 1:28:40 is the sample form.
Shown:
6:16:55
